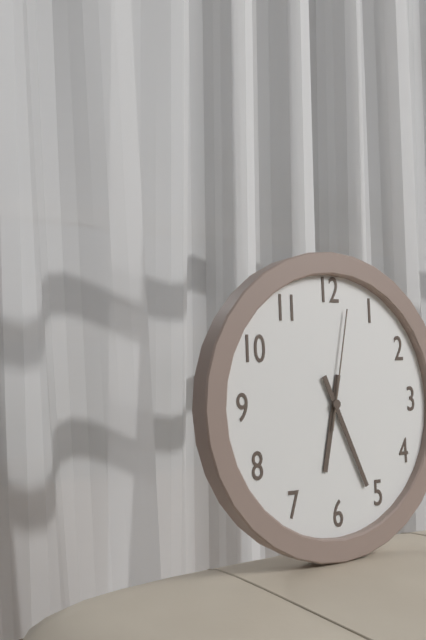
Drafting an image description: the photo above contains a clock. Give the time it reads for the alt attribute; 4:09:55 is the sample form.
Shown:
6:26:02
